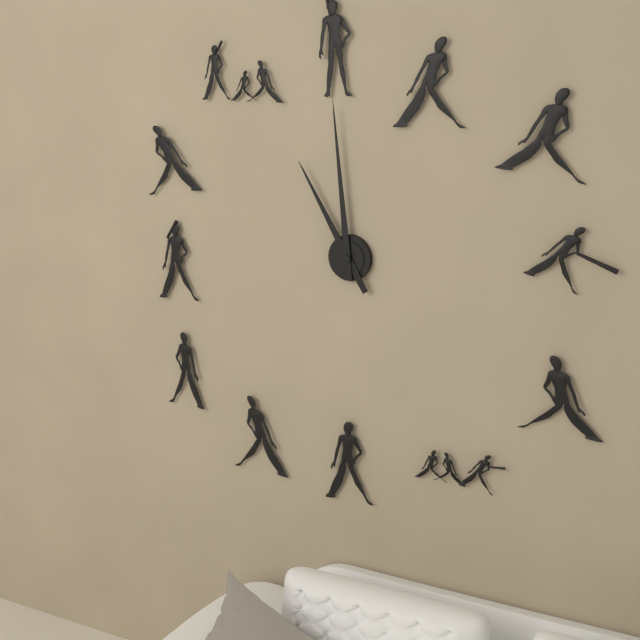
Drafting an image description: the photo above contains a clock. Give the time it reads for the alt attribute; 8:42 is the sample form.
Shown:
10:59
